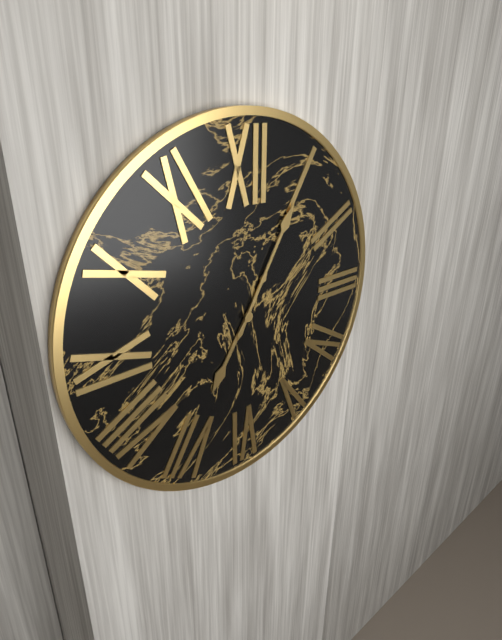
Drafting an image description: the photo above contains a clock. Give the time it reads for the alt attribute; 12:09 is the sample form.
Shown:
7:05
